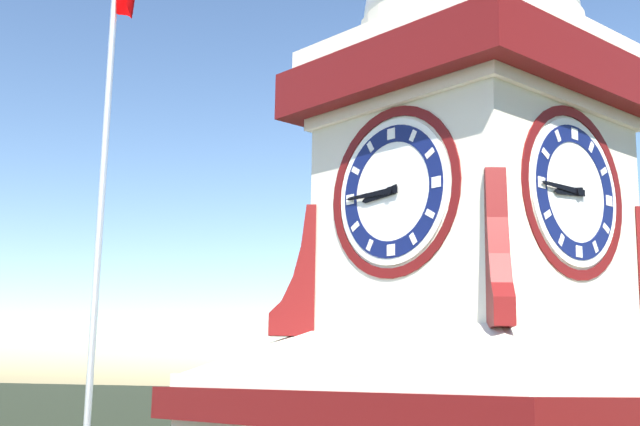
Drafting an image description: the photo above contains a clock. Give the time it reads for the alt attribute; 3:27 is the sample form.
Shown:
8:45
